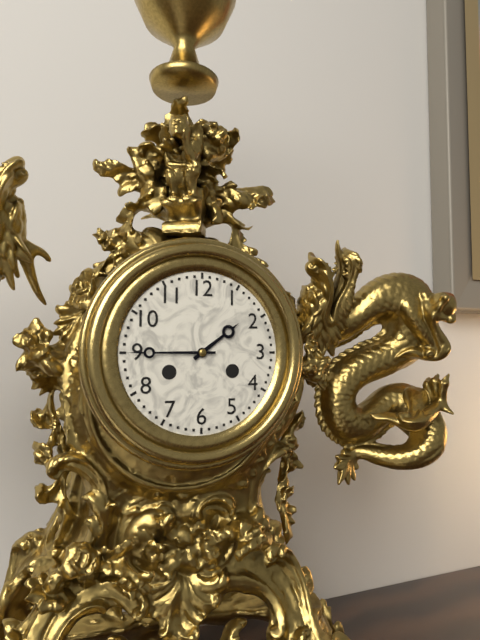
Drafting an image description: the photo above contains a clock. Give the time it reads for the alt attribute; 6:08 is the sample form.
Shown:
1:45
